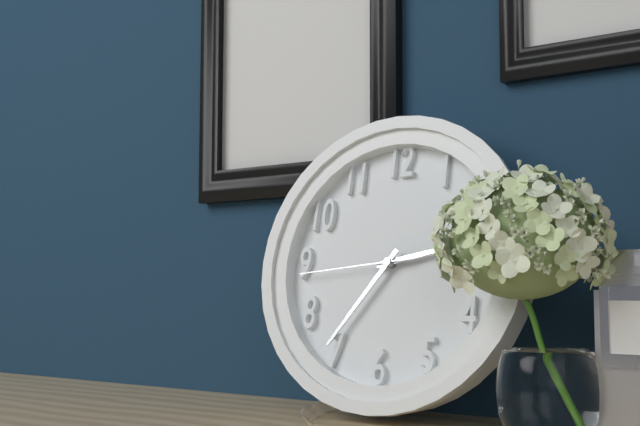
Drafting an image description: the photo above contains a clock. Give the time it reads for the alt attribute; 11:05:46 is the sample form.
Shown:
2:36:44
